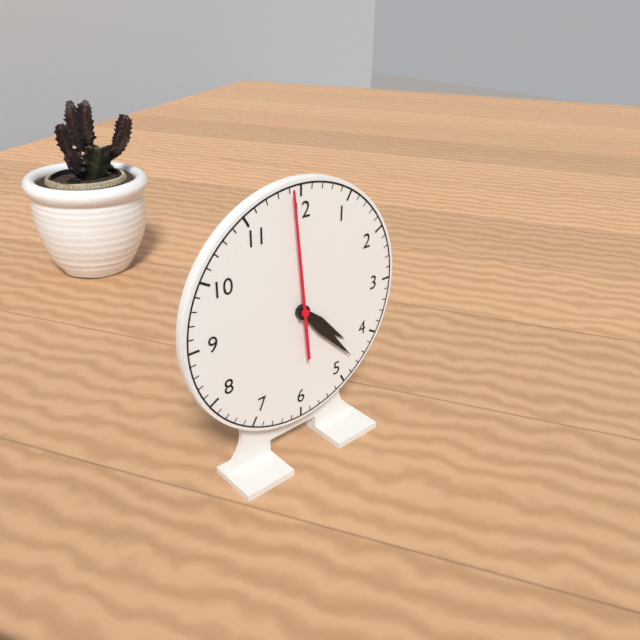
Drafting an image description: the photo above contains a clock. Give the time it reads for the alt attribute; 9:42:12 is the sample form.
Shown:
4:23:59
